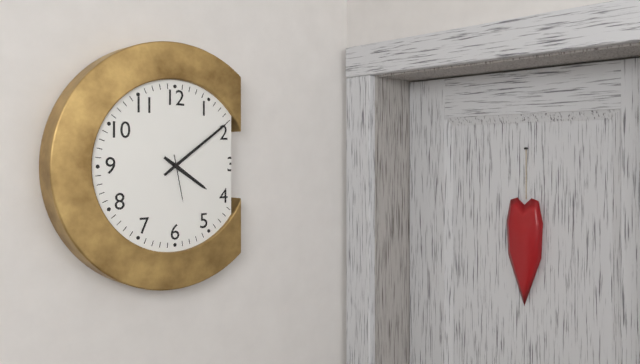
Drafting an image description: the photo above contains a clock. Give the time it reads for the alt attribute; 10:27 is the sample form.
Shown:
4:09
